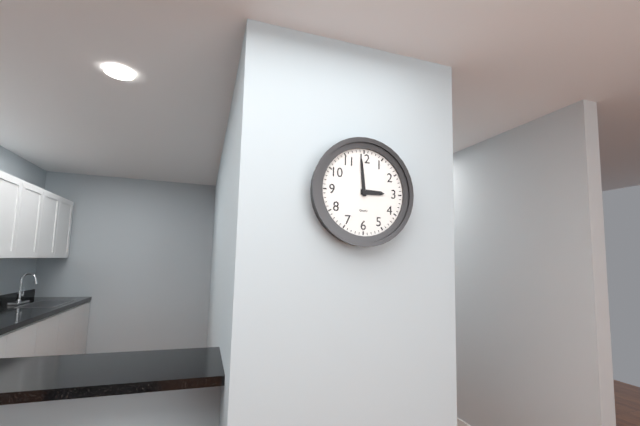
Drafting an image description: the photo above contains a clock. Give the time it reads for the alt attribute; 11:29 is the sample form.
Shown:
2:59
